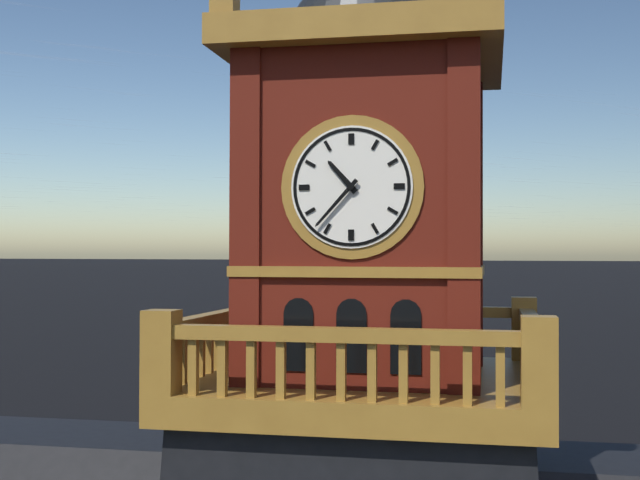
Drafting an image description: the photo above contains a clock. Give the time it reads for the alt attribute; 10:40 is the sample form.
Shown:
10:37
